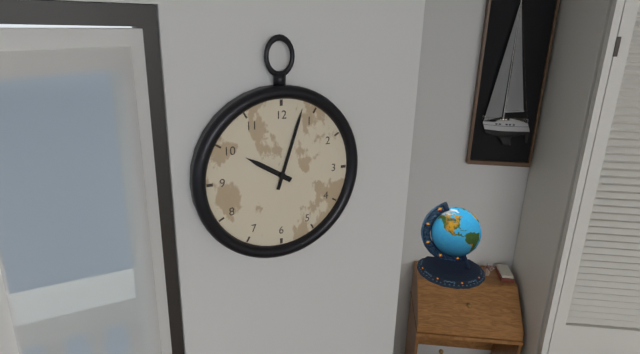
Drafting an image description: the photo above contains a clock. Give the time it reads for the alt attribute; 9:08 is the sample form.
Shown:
10:03
